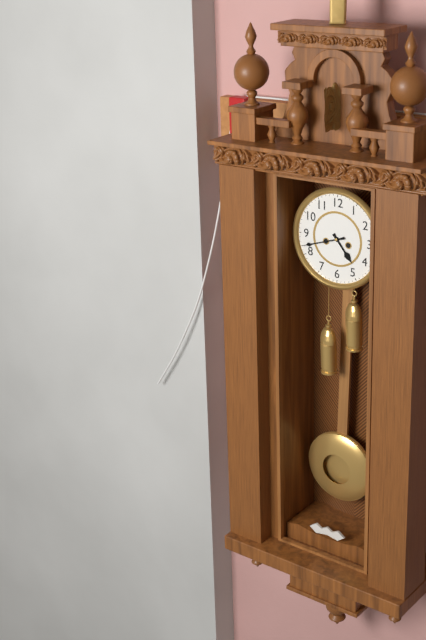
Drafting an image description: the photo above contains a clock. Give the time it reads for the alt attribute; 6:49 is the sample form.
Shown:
4:42
